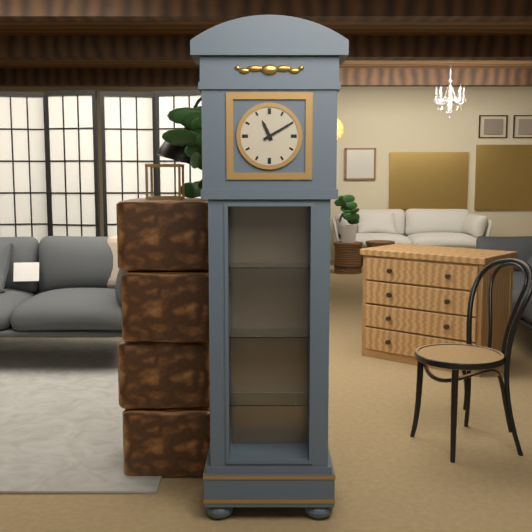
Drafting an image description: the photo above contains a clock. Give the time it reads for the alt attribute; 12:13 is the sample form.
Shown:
11:10
